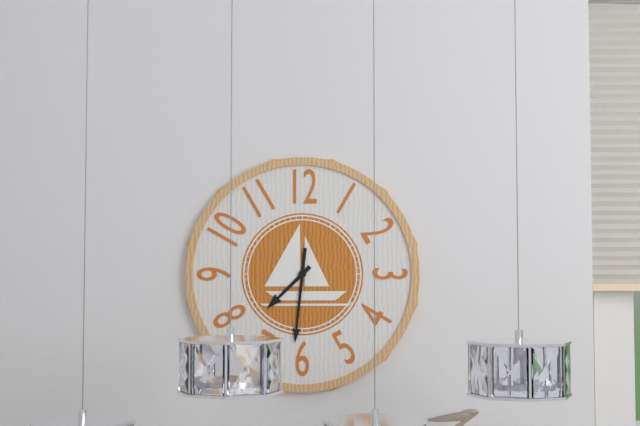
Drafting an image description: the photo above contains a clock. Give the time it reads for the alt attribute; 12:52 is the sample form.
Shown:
7:31
